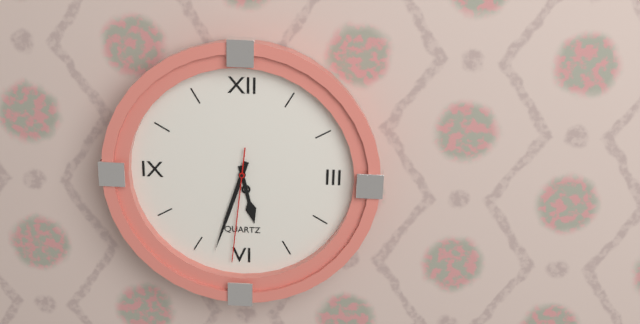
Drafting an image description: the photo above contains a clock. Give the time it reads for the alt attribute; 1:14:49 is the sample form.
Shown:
5:33:31
